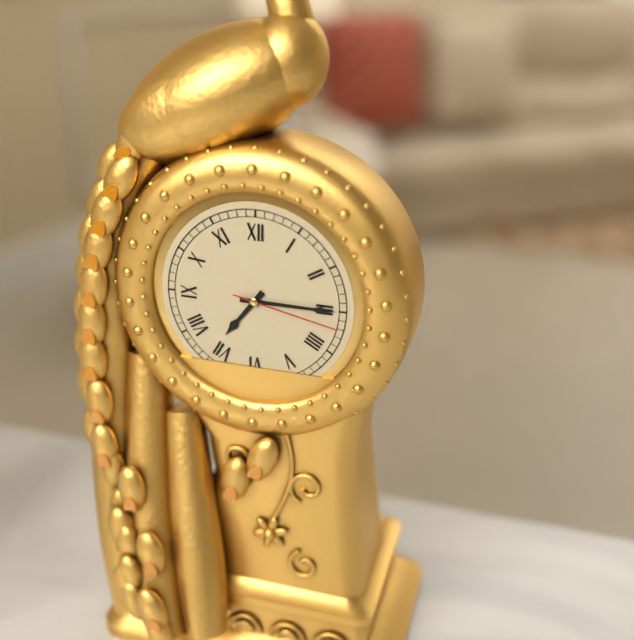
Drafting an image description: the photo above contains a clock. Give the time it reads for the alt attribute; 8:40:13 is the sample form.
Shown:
7:15:17
